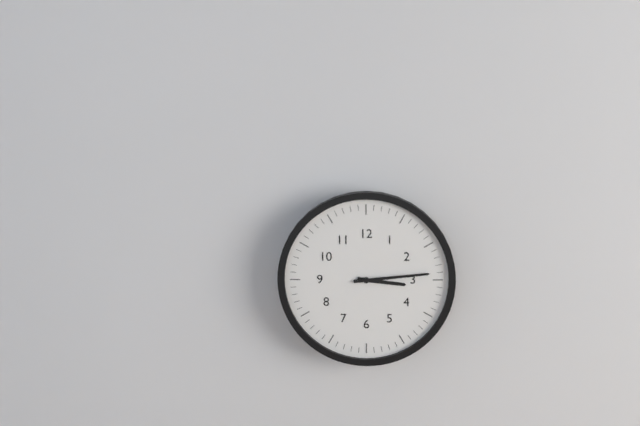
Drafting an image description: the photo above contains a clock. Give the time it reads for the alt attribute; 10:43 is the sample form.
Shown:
3:14
